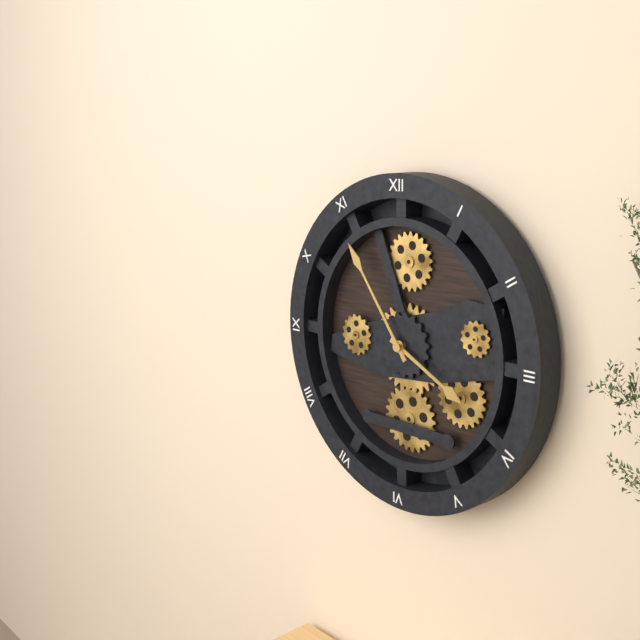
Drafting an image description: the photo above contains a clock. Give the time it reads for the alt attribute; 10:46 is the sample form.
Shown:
3:54
